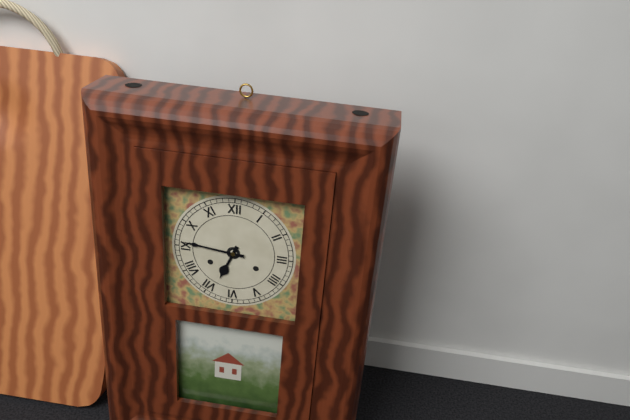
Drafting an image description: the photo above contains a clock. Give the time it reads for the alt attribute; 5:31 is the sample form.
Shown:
6:46
